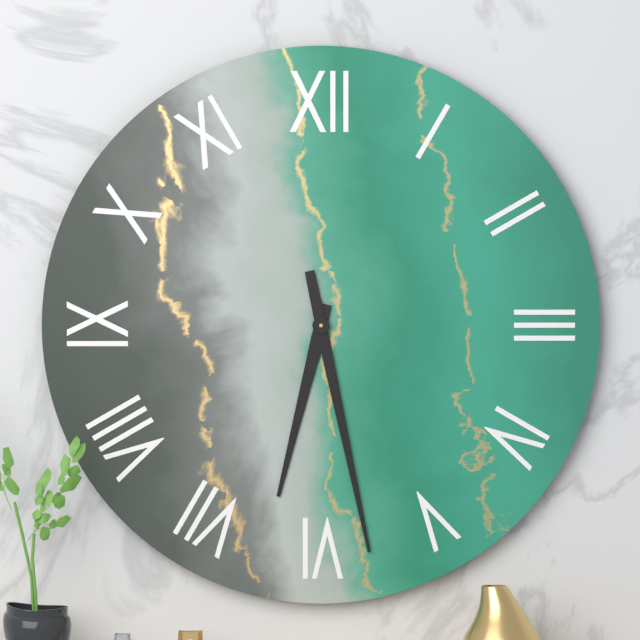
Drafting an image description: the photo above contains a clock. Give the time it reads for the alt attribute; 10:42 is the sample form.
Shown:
6:28
